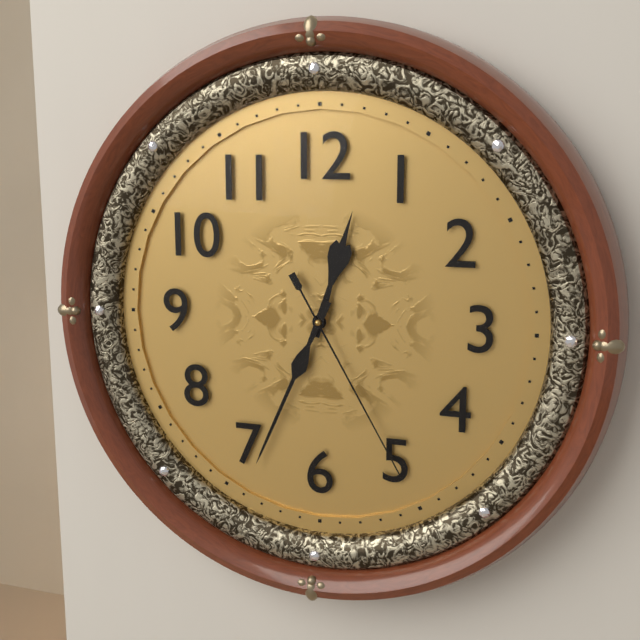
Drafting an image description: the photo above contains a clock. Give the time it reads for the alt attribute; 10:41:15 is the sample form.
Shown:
12:34:25
